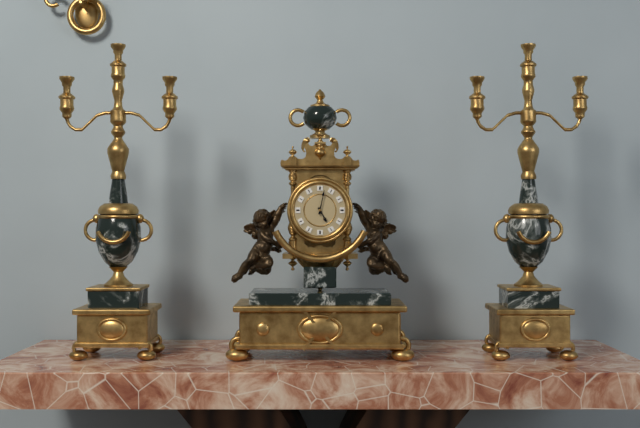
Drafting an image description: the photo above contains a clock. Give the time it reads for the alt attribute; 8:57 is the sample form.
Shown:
5:02
